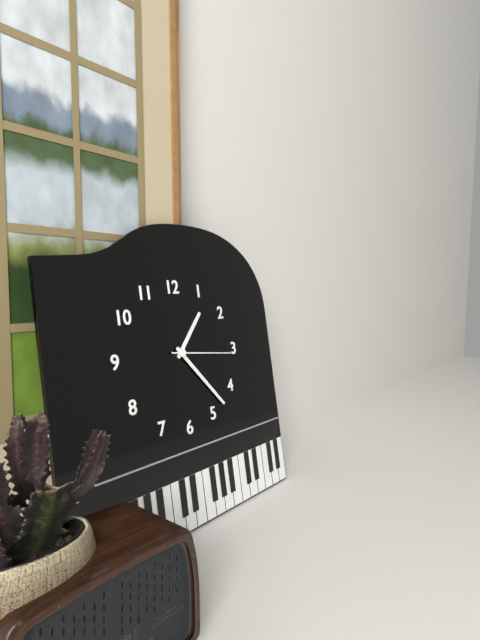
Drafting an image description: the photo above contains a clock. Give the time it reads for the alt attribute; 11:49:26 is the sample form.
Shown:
1:23:16
